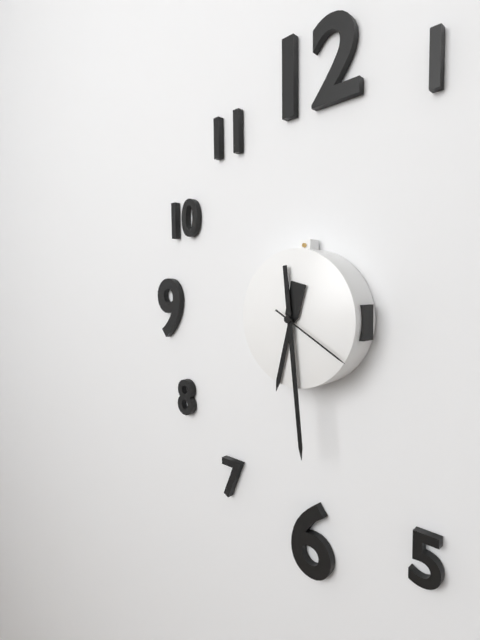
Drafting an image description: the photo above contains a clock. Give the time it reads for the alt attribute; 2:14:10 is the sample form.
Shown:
6:29:20
